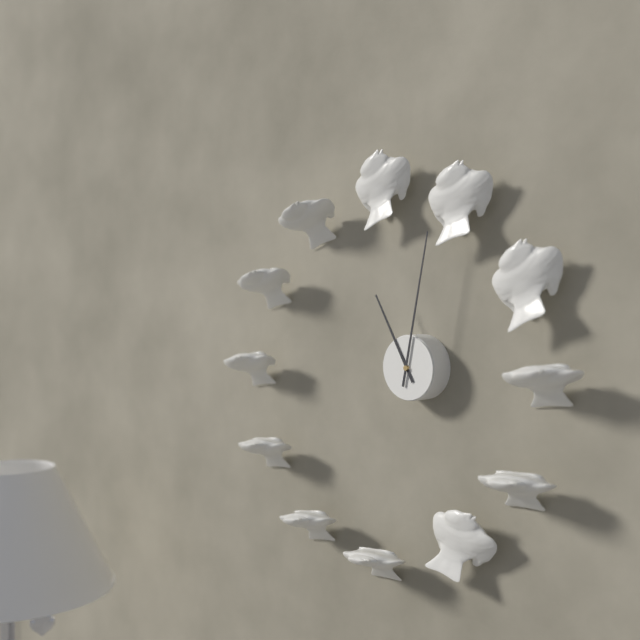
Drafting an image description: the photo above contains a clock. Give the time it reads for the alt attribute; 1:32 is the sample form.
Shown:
11:02
